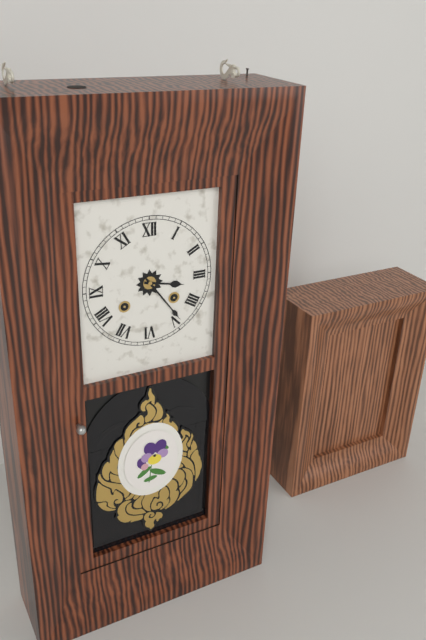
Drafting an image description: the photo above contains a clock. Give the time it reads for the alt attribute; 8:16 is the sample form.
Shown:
3:24
